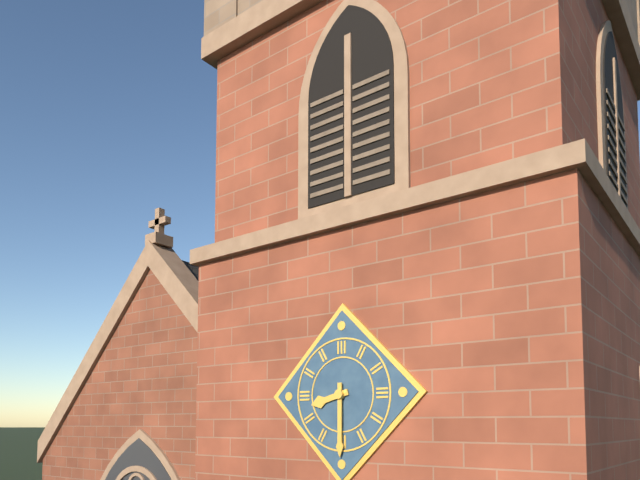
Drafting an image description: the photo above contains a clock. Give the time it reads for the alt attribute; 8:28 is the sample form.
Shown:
8:30
